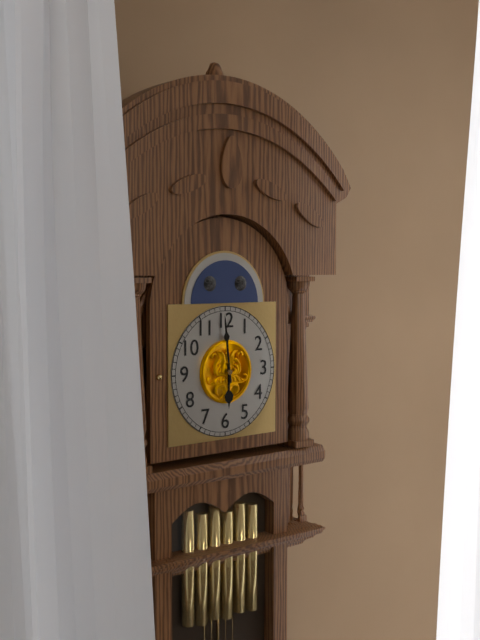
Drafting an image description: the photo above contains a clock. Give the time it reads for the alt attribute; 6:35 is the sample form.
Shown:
5:59
